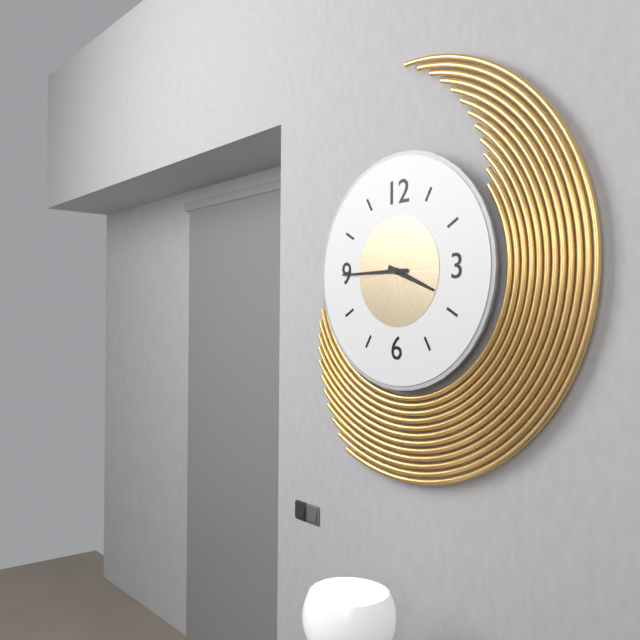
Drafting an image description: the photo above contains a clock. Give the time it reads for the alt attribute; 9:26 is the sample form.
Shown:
3:45
